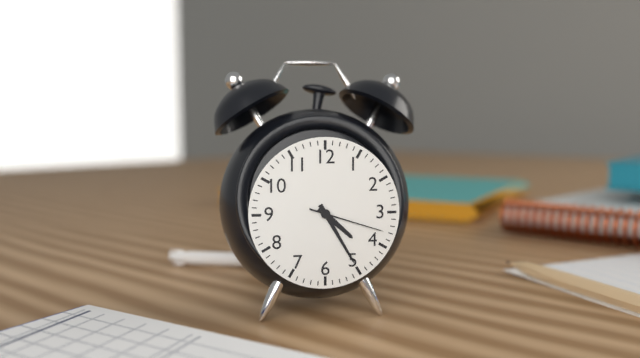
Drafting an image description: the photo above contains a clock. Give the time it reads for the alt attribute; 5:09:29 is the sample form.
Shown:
4:25:18
